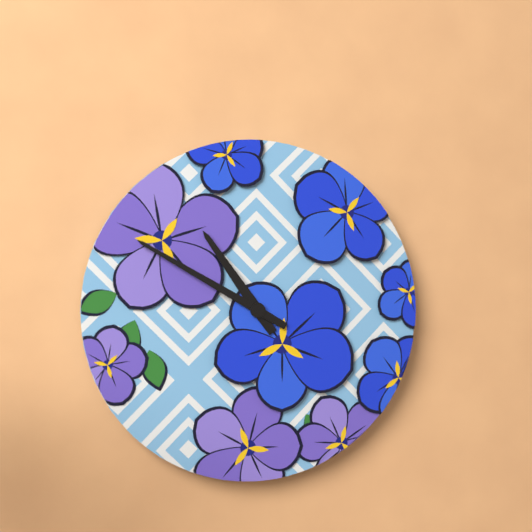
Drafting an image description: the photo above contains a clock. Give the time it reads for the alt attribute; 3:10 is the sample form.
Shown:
10:50
